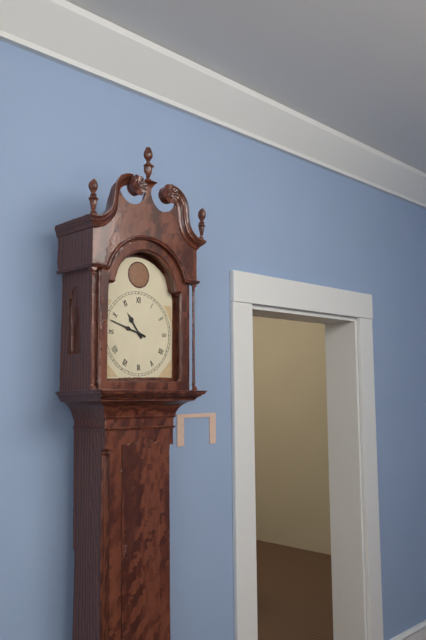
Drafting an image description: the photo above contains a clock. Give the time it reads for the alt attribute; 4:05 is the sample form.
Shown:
10:48
